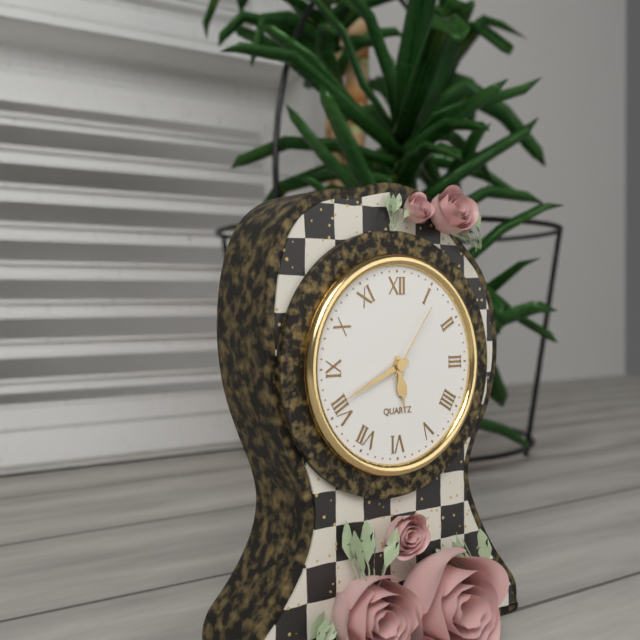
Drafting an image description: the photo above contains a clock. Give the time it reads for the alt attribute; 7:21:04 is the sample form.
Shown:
5:41:06
